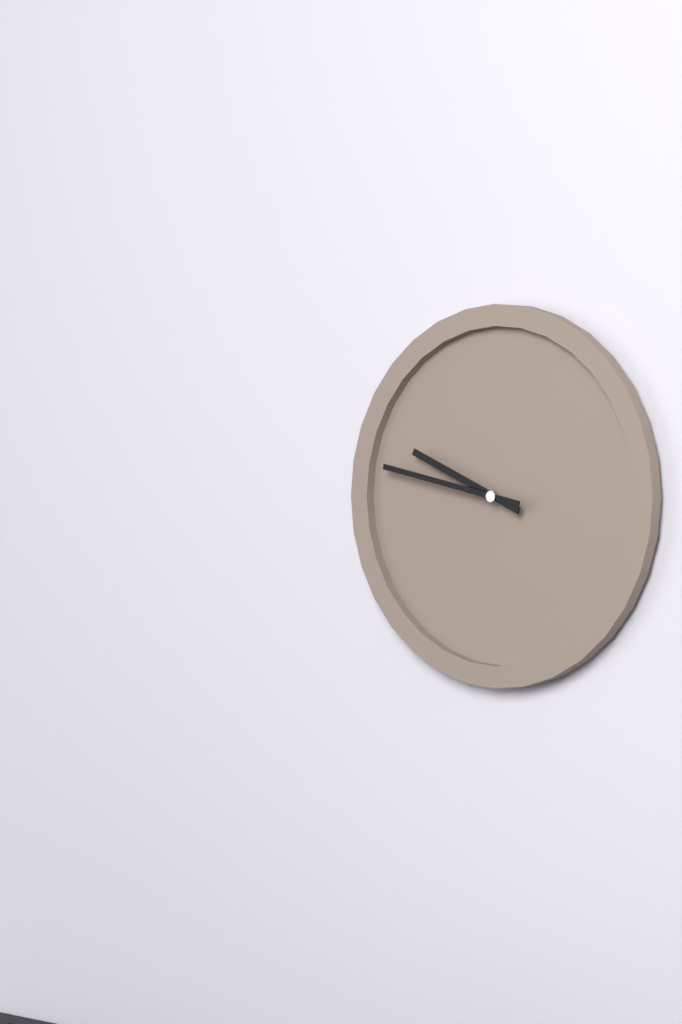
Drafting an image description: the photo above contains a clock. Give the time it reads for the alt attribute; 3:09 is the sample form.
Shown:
9:47
